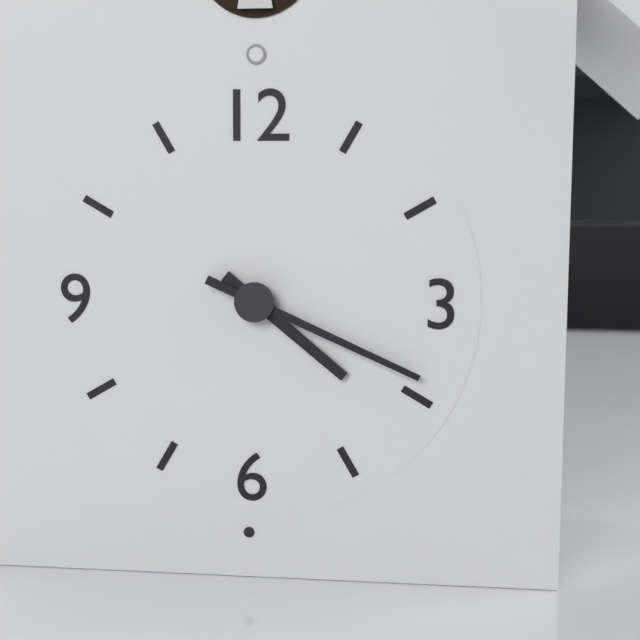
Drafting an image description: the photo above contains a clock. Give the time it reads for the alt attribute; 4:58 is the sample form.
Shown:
4:19
